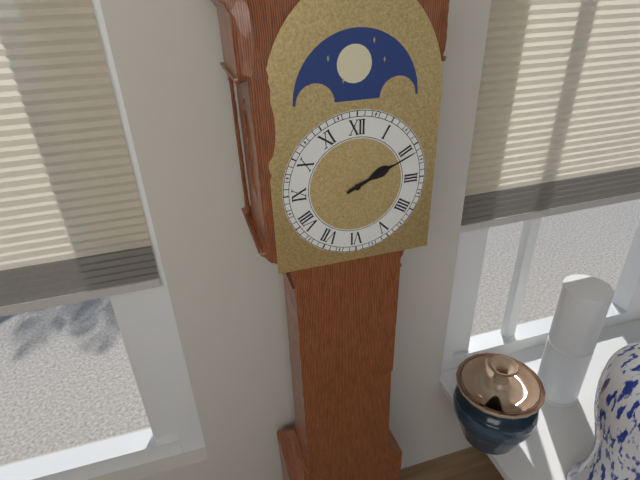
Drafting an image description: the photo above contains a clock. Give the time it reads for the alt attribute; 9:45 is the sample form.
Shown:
2:11
